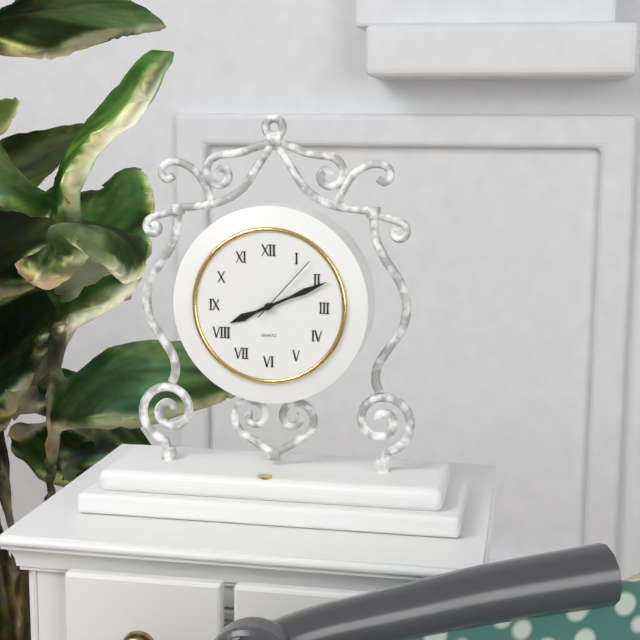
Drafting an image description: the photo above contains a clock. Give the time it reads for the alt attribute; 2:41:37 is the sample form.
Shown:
8:11:07
